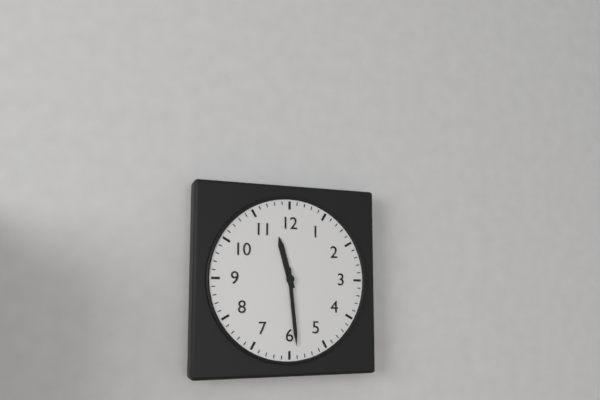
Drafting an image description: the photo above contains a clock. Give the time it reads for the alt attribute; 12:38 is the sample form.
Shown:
11:29
